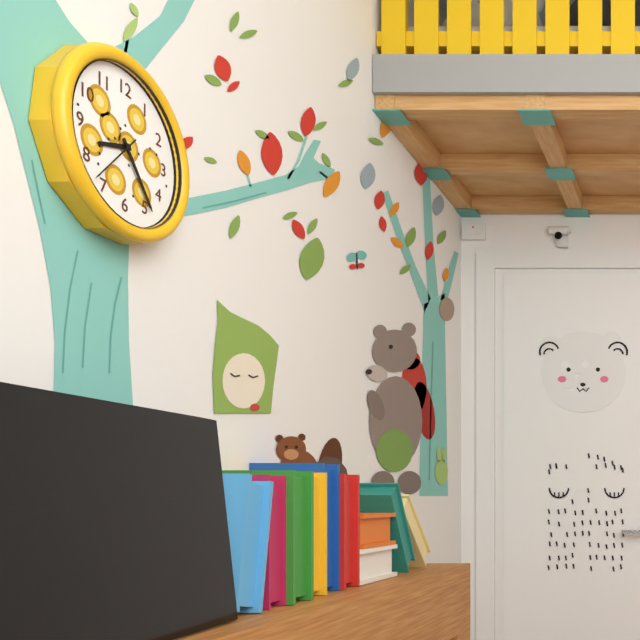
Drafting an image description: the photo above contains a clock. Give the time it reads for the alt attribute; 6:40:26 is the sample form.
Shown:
8:24:37
